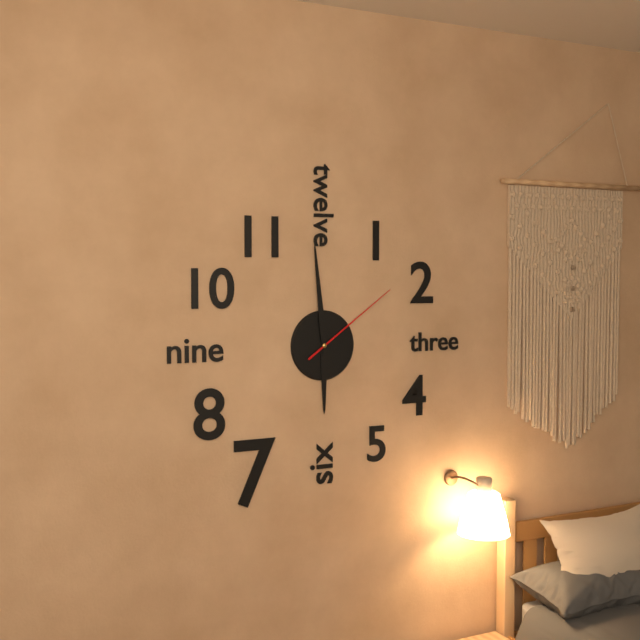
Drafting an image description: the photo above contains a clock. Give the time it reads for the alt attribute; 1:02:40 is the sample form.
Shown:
5:59:09
